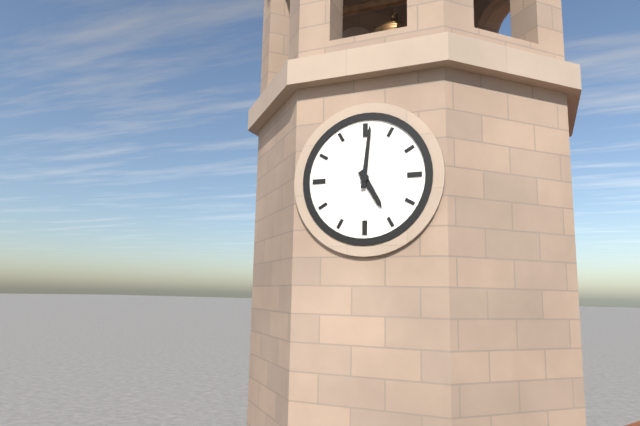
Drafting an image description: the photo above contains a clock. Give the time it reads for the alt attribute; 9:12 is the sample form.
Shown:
5:01
